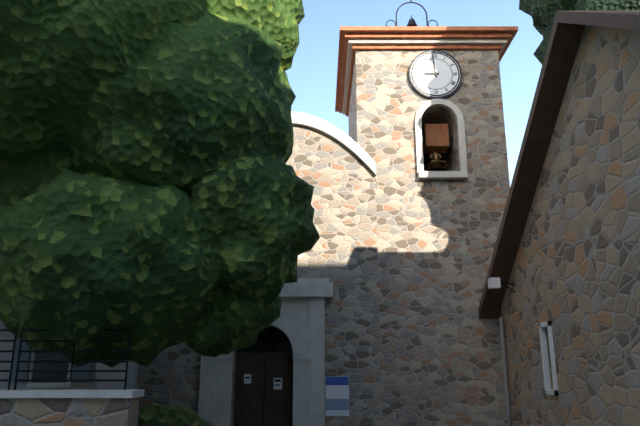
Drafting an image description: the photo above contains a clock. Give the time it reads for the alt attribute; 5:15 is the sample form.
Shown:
8:59
